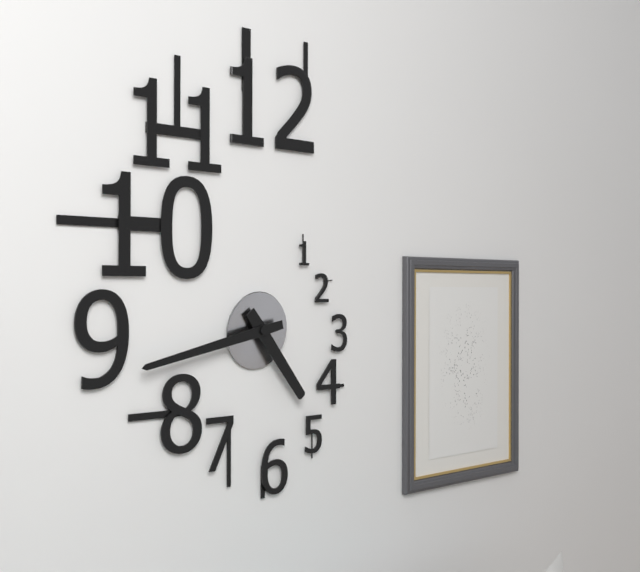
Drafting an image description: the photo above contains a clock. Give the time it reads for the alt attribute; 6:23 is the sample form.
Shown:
4:43
